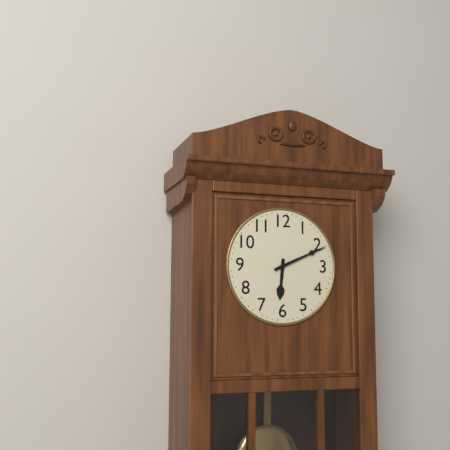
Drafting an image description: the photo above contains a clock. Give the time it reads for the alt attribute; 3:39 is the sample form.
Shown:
6:11
